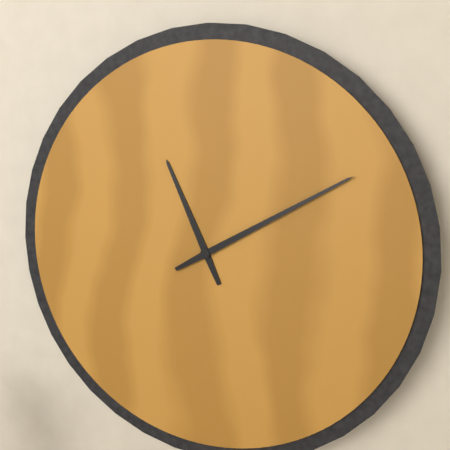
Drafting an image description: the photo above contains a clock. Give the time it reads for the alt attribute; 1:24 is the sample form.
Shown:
11:10
